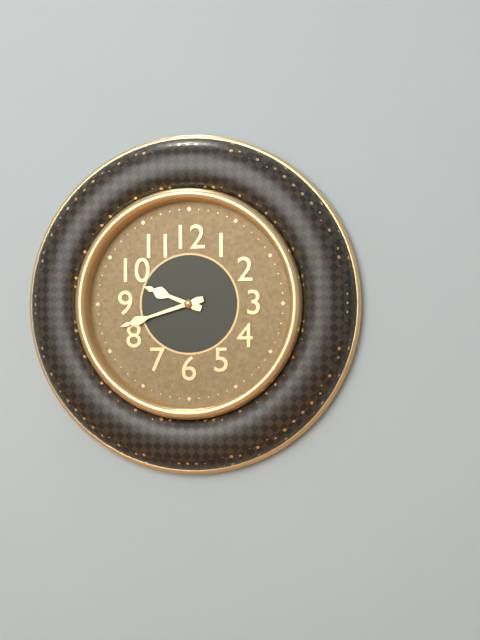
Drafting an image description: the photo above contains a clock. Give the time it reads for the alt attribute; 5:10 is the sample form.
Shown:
9:42
